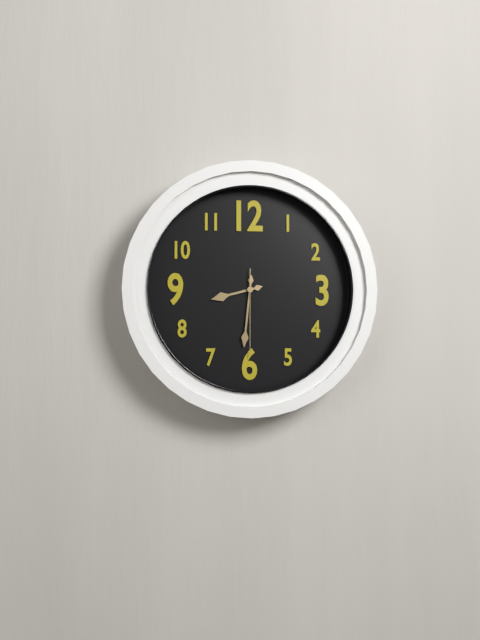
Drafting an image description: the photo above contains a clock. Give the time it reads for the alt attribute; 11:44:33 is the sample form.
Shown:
8:31:30
